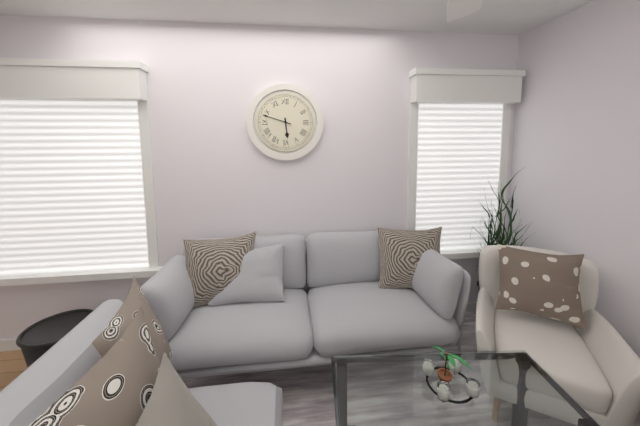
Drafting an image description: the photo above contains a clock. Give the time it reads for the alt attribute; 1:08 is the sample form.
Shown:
5:48
